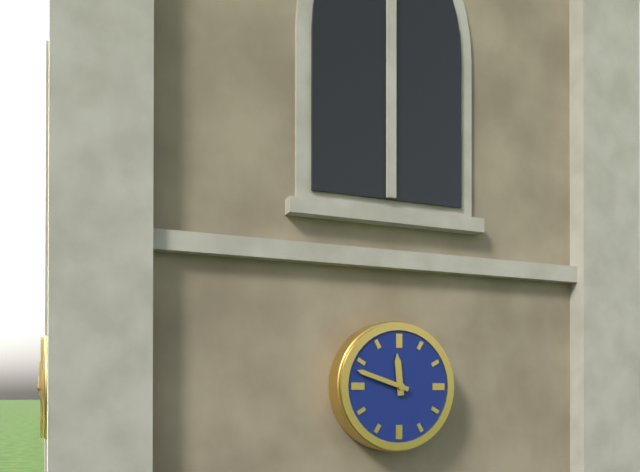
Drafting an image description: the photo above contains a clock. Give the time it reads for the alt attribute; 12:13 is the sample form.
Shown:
11:48
